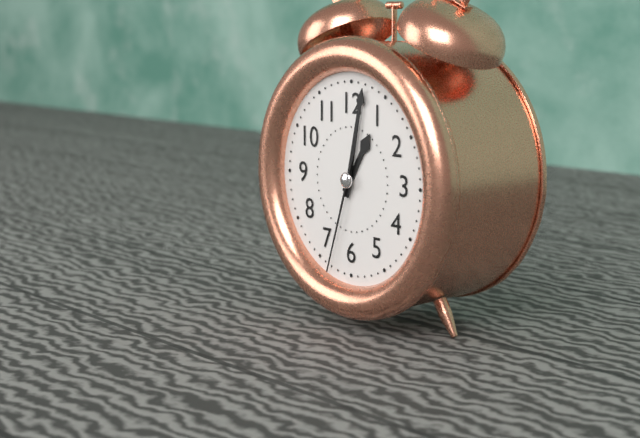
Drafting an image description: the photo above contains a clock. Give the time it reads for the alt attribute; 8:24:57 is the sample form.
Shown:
1:02:33
